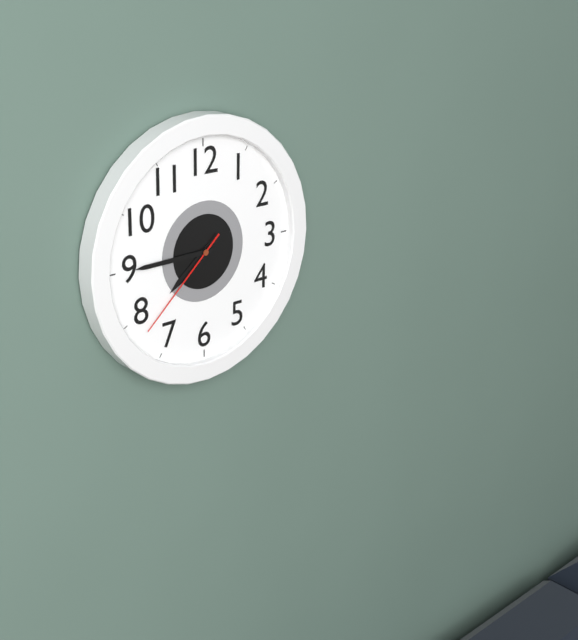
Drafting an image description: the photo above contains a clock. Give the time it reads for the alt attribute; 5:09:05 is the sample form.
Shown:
7:45:38
